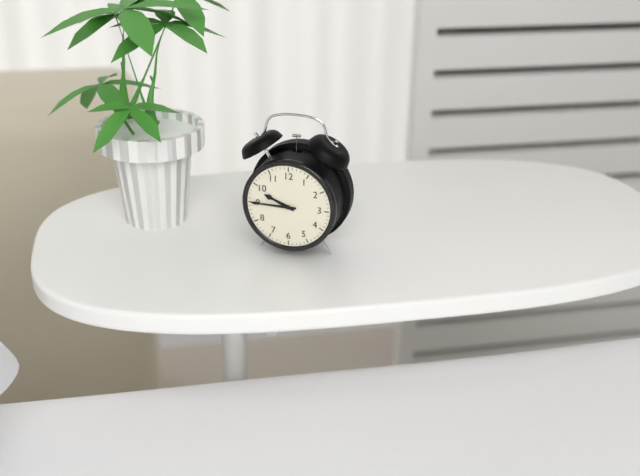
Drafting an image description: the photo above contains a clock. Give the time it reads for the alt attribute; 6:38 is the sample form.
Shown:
9:45
